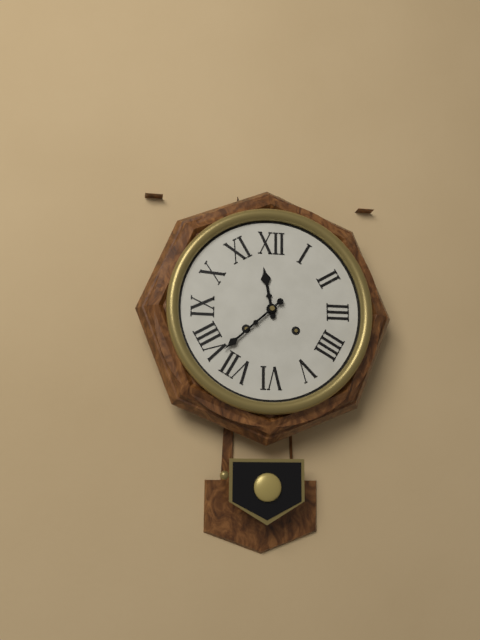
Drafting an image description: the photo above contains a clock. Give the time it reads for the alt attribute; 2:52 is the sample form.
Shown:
11:38
